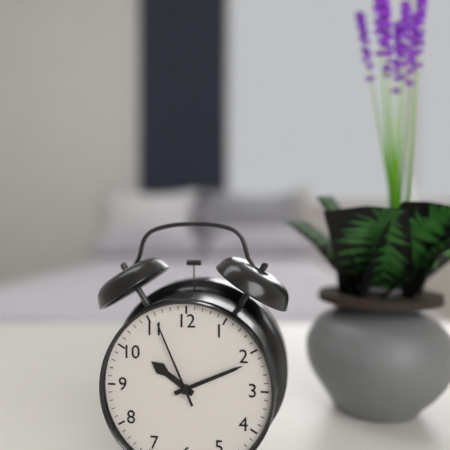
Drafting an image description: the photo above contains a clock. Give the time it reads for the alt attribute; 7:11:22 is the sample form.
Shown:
10:11:56
